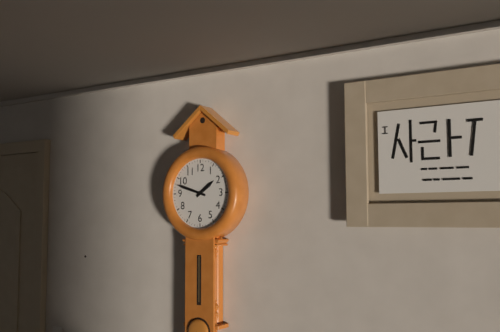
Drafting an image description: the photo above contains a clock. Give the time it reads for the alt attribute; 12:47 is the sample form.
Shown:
1:48
